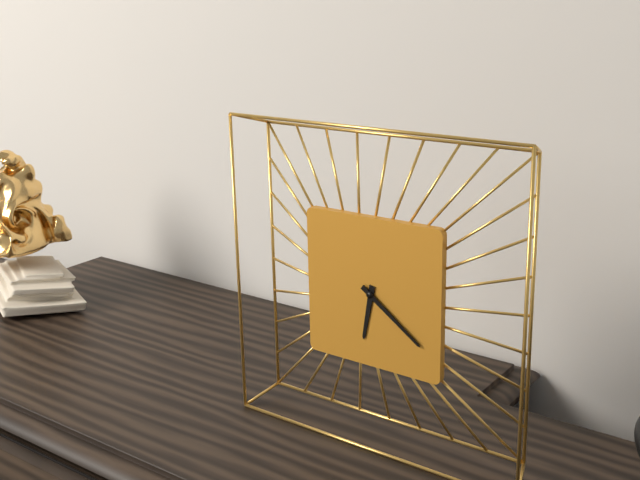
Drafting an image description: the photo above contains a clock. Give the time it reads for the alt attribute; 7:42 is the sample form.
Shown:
6:21
